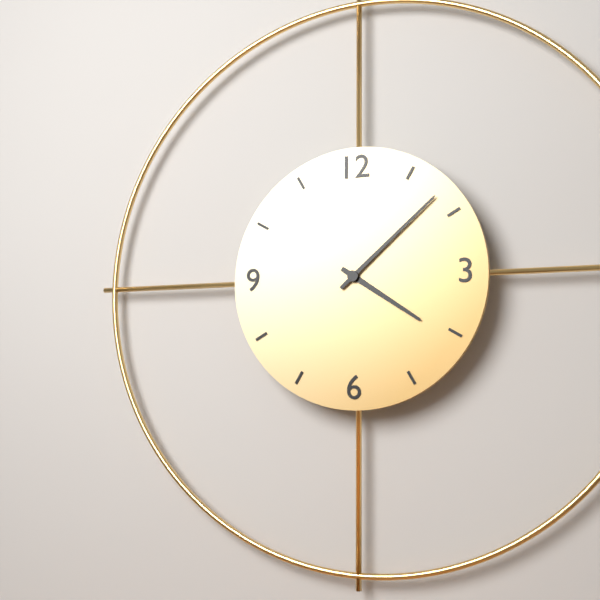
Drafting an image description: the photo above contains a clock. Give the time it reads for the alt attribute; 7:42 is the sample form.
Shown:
4:08
